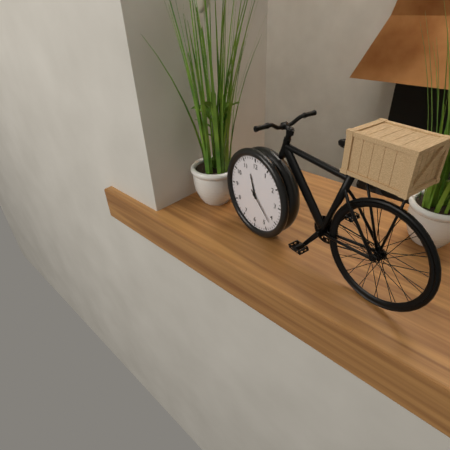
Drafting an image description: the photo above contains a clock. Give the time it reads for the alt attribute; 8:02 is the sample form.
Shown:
11:22
